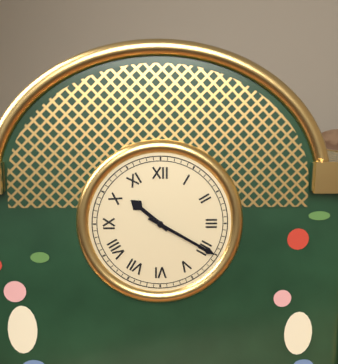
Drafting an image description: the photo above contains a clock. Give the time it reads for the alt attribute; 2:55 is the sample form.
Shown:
10:20
